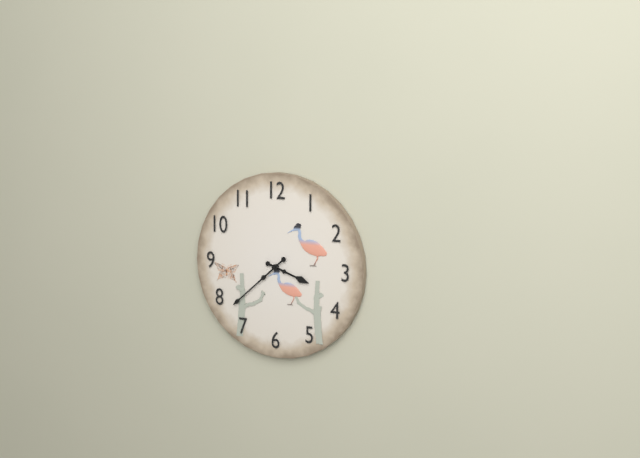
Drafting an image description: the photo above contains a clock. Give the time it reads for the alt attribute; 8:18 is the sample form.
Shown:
3:38
